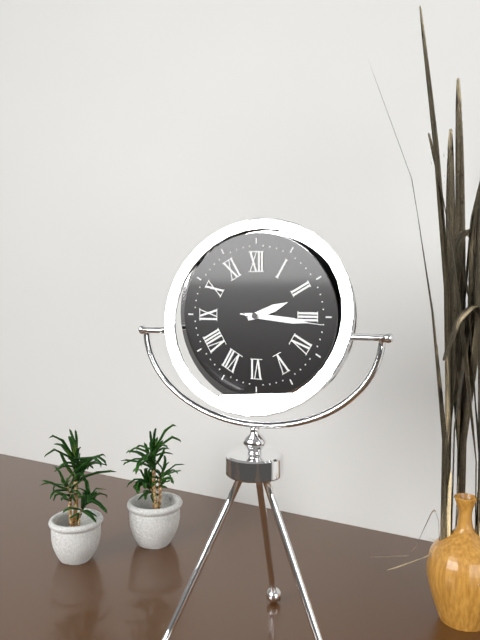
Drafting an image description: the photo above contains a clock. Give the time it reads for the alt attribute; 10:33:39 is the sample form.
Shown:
2:16:16
